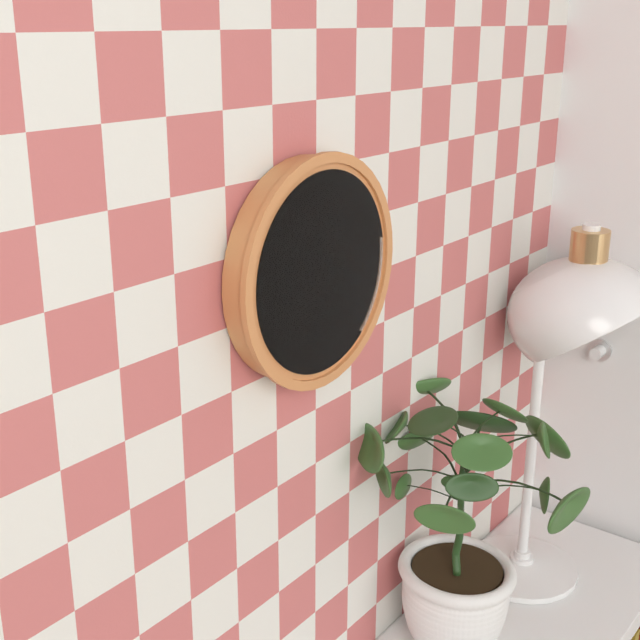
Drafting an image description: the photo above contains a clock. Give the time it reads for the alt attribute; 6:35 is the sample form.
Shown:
9:00
